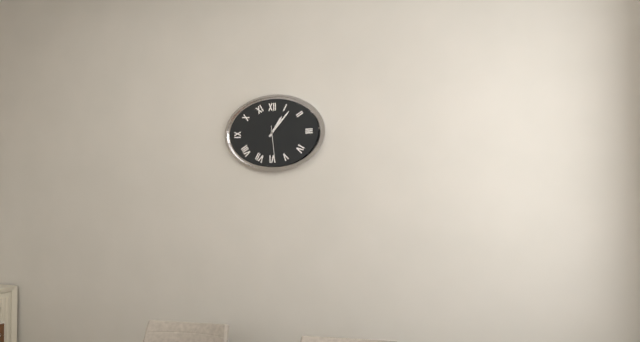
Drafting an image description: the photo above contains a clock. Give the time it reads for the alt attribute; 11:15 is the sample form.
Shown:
1:07
